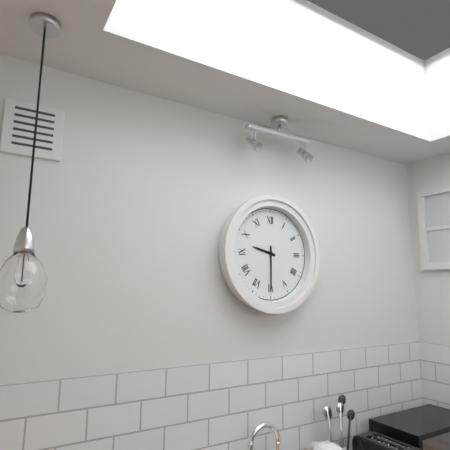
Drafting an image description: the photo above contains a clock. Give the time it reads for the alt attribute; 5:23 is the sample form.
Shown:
9:30
